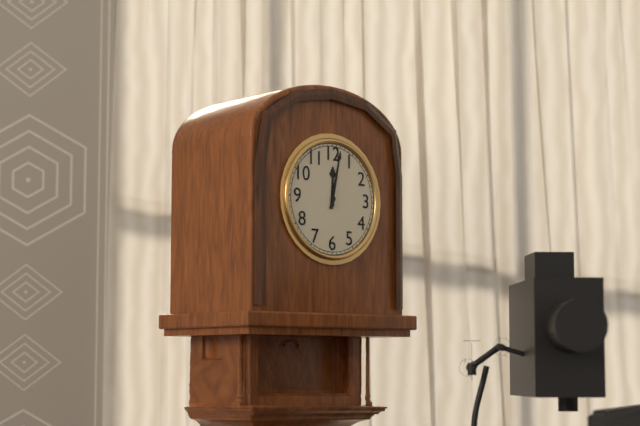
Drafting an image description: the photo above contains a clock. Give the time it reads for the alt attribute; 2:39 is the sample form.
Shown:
12:02
